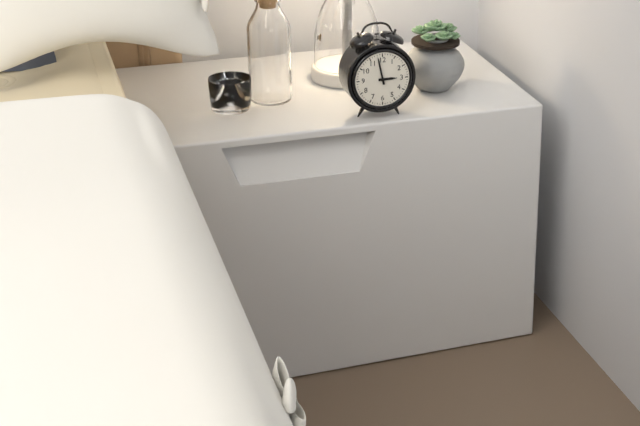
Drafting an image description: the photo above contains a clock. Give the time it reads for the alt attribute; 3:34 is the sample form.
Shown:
2:58
